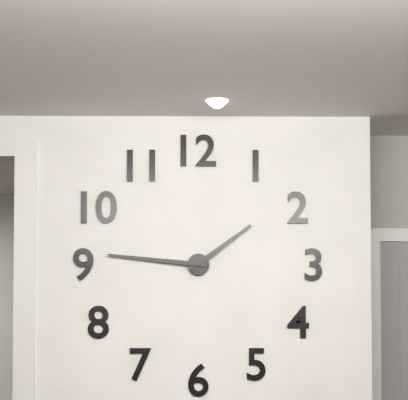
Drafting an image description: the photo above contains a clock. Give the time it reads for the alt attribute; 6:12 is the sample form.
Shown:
1:46
